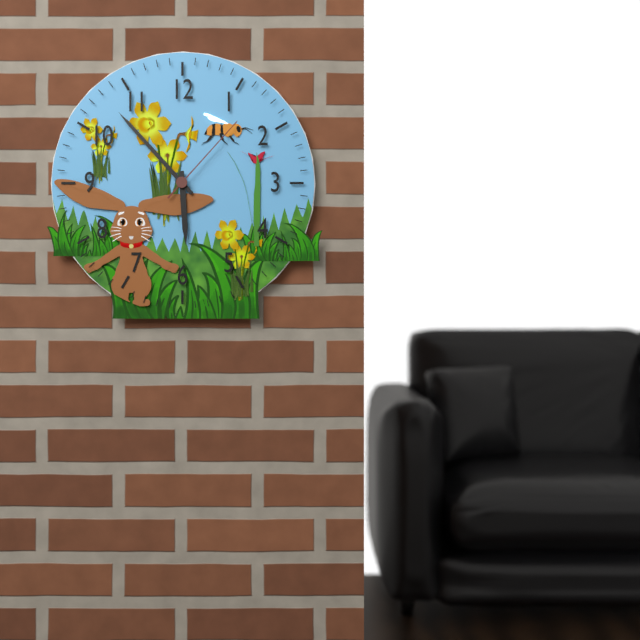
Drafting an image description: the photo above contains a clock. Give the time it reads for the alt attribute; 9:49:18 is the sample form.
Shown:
5:53:07
